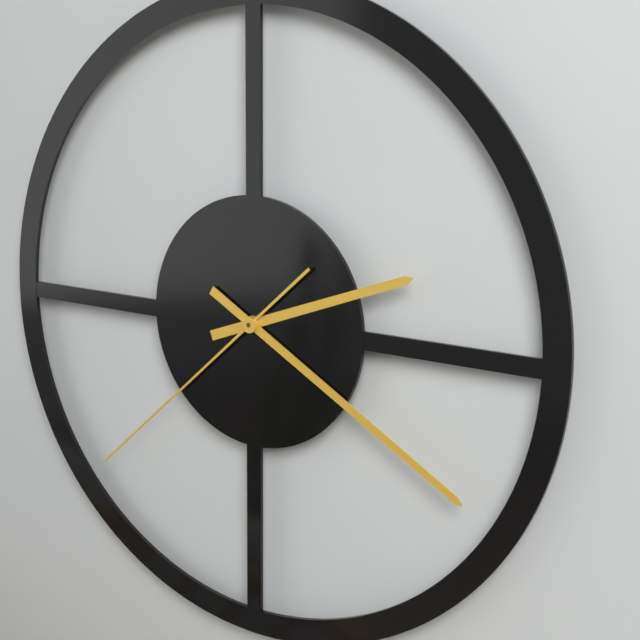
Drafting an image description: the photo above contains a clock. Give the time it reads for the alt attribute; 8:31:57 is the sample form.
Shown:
2:20:38
